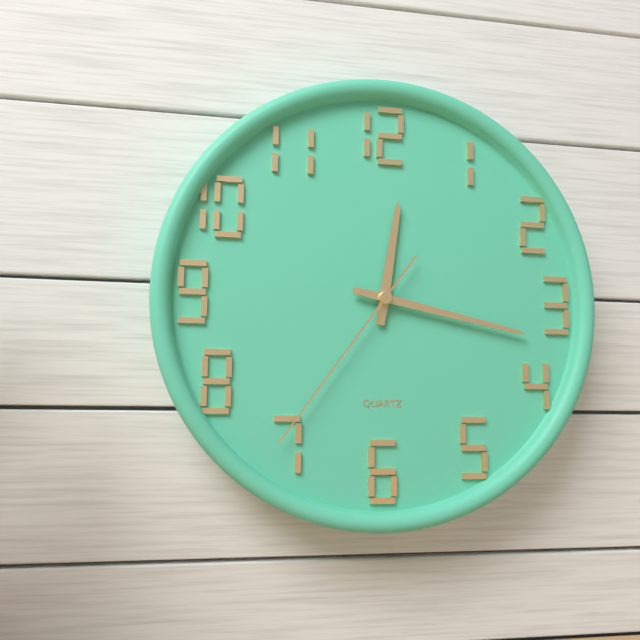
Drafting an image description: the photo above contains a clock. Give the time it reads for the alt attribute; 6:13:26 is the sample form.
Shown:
12:17:36
